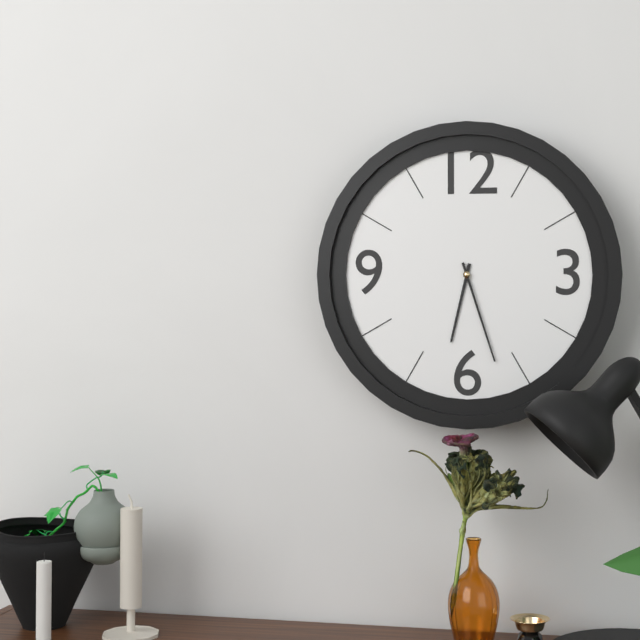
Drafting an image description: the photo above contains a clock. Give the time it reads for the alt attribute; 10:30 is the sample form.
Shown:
6:27
